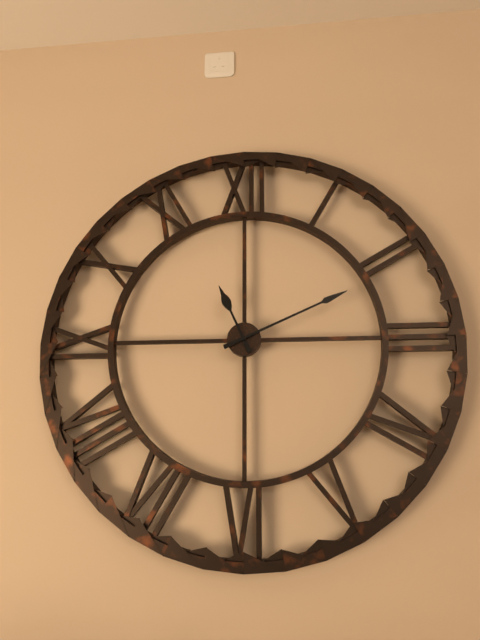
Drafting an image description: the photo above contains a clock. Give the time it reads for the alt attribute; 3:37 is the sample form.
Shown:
11:11
